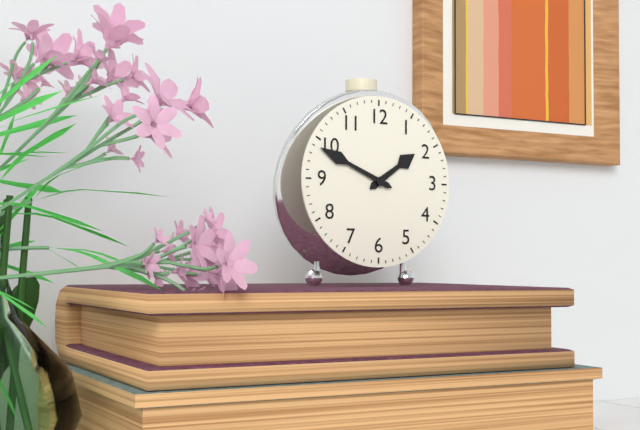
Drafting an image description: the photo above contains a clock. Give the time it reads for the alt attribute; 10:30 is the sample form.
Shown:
1:49
